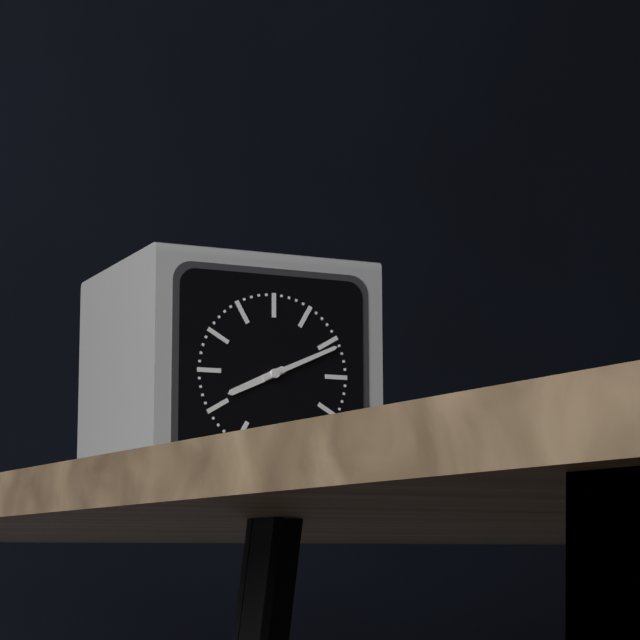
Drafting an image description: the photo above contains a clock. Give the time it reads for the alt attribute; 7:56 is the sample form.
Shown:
8:11
